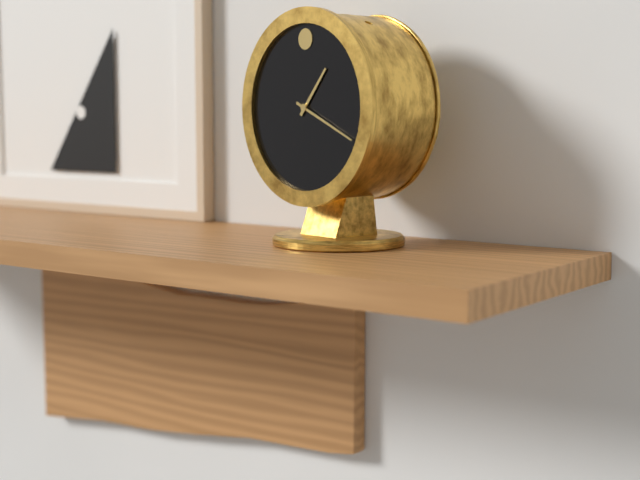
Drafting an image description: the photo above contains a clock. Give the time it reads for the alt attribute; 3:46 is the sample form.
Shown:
1:19
